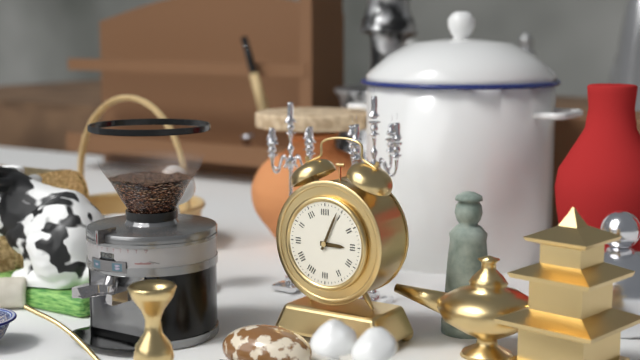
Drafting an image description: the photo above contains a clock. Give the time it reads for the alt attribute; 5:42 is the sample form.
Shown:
3:04
